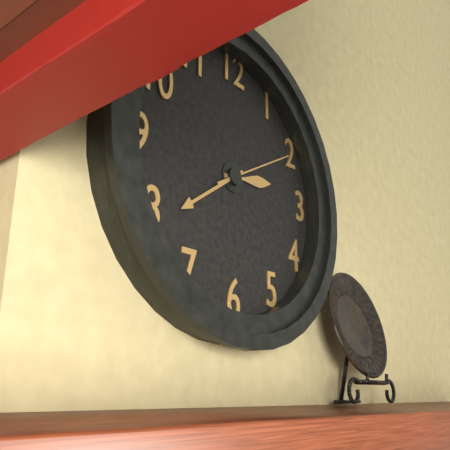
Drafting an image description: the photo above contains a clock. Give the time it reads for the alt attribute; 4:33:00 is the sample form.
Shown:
2:39:10
